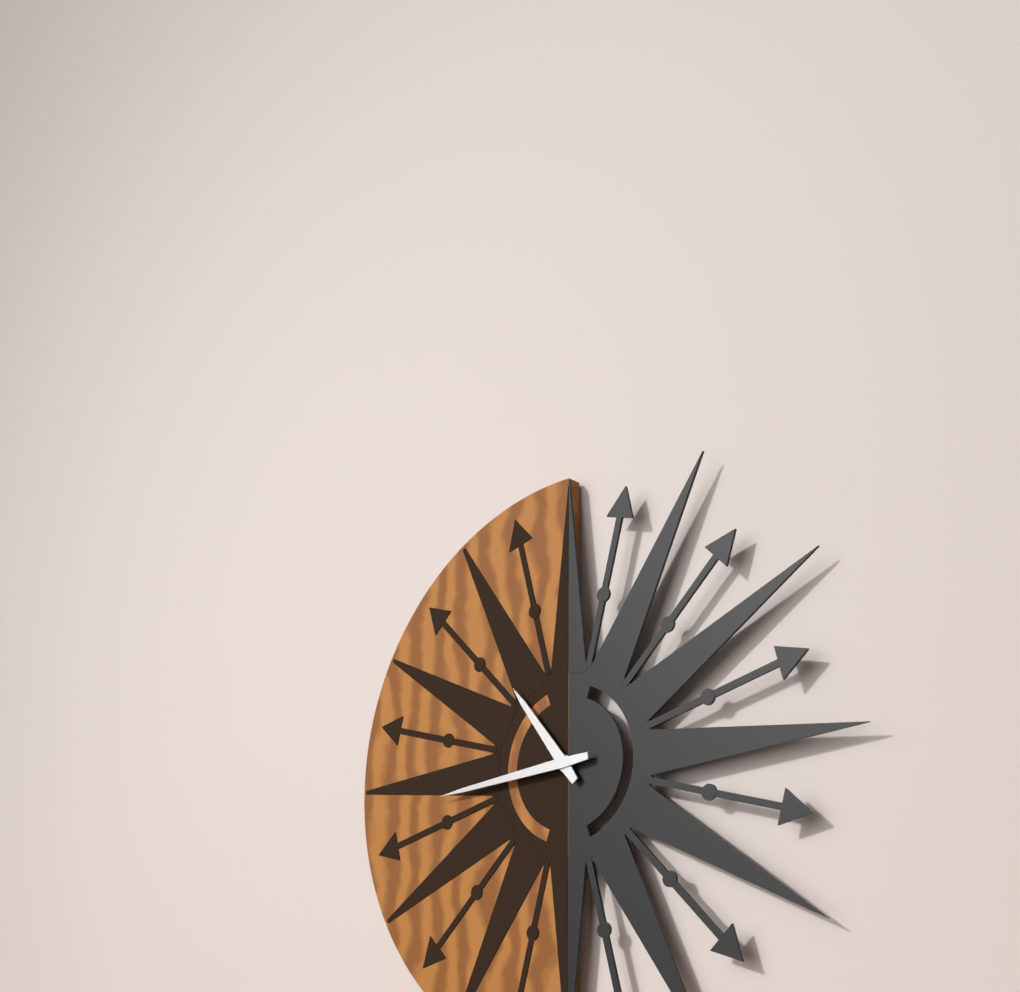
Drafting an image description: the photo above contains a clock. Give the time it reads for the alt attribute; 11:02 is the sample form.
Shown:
10:44
